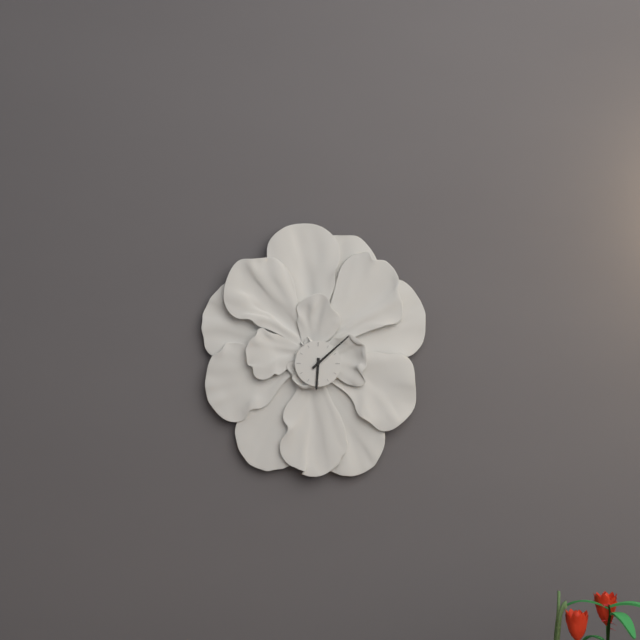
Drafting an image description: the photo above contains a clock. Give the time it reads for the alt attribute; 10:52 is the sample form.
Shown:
6:08
